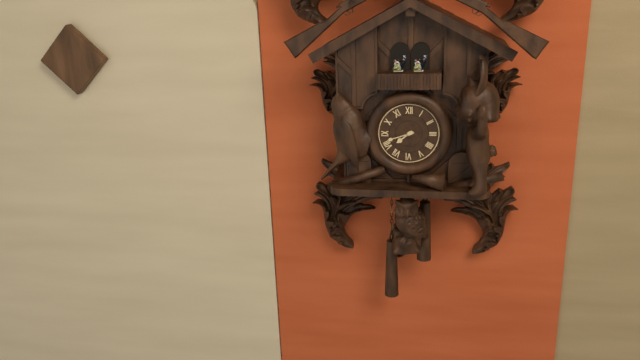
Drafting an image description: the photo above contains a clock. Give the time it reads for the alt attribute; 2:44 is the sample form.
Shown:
7:42
